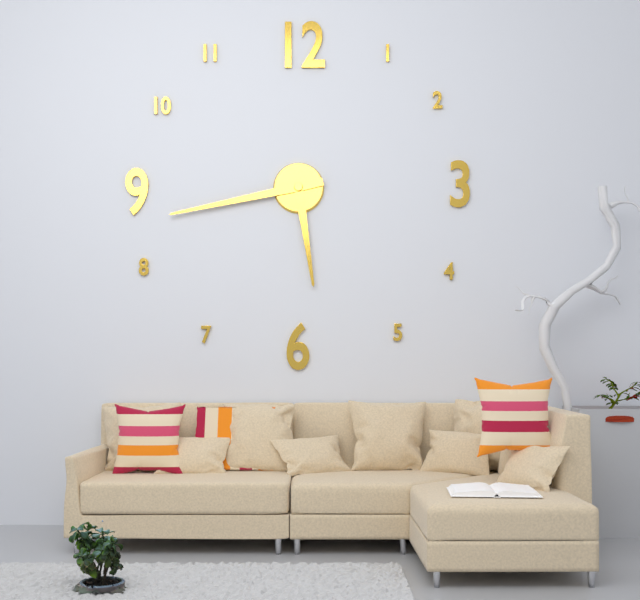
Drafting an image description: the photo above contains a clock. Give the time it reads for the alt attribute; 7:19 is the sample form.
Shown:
5:43
